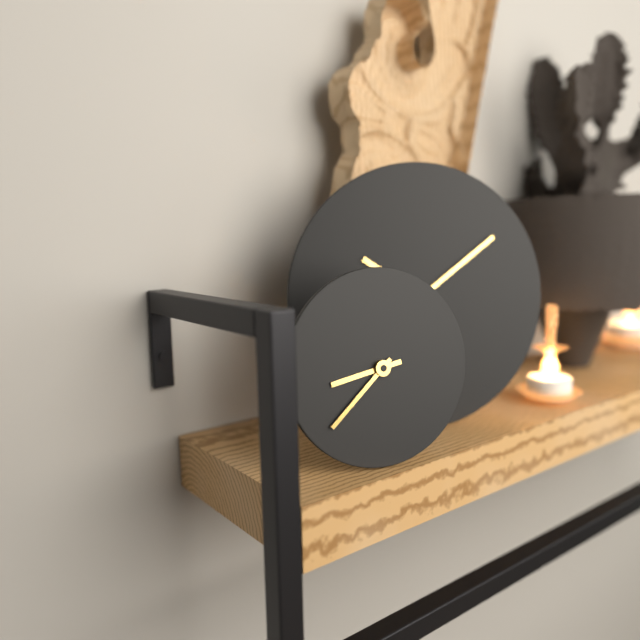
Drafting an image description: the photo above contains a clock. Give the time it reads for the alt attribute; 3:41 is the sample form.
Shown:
8:38
